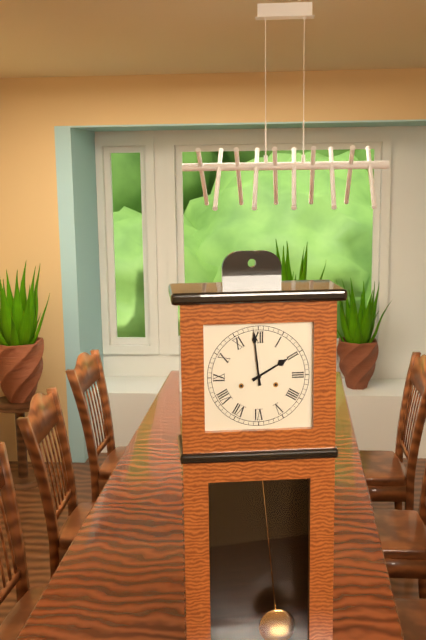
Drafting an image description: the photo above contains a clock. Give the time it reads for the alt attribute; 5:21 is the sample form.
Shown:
1:59
